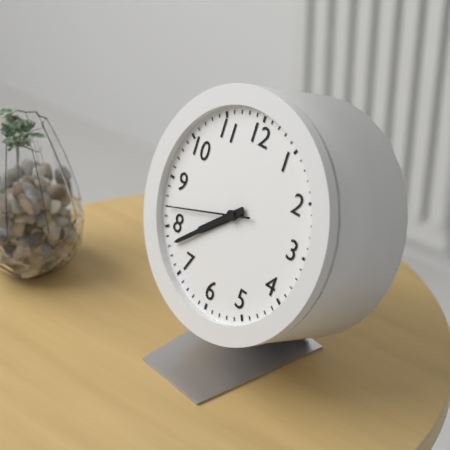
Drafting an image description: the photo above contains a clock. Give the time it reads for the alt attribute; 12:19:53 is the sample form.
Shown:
7:38:42
